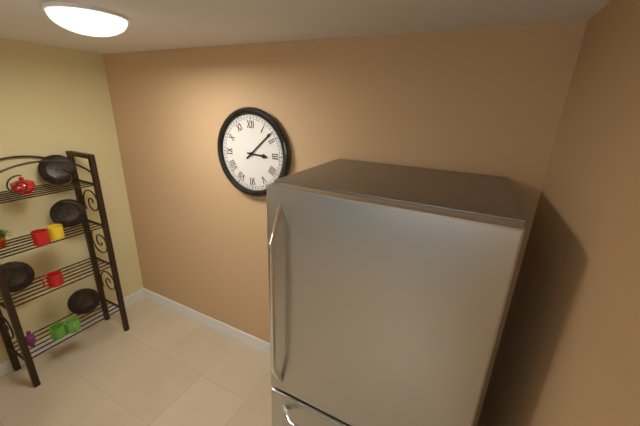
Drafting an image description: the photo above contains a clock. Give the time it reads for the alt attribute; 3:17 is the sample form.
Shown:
3:08
